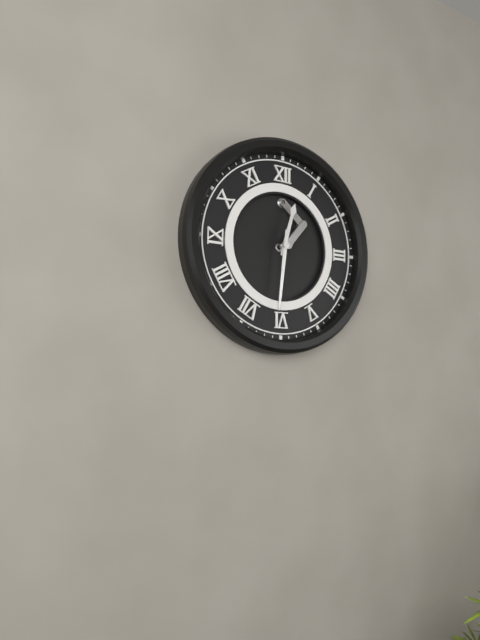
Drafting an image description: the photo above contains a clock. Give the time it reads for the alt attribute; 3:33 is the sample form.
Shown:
12:31
